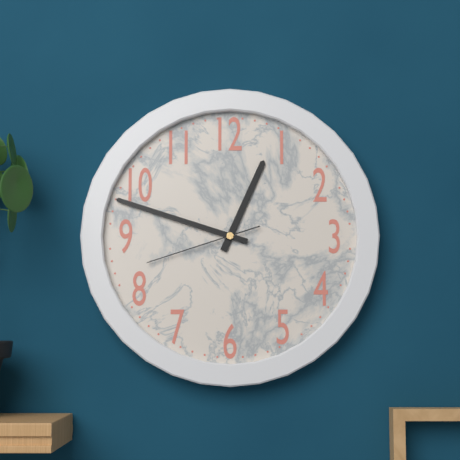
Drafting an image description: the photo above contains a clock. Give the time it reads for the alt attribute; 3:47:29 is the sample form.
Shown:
12:48:42
